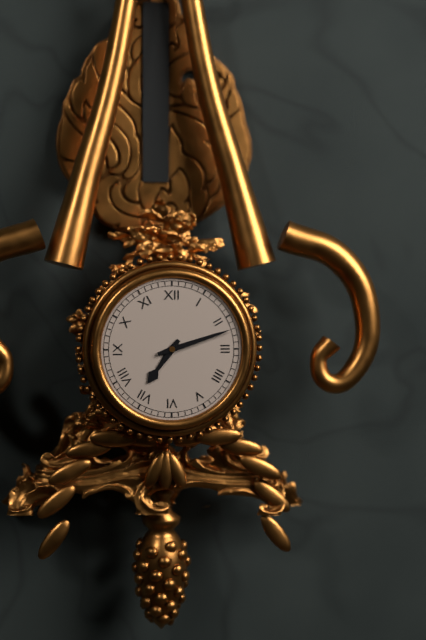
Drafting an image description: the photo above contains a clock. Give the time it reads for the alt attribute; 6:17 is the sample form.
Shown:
7:12
